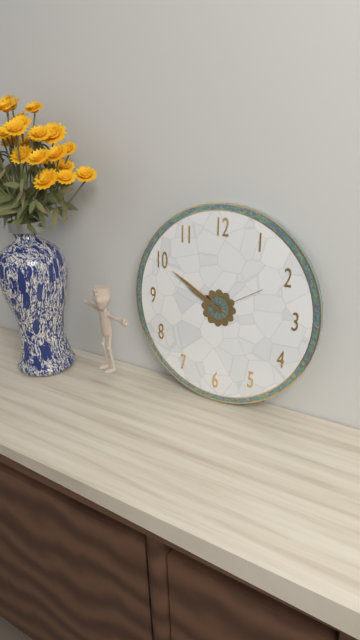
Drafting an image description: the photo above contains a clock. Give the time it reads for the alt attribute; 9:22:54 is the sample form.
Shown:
9:50:10
